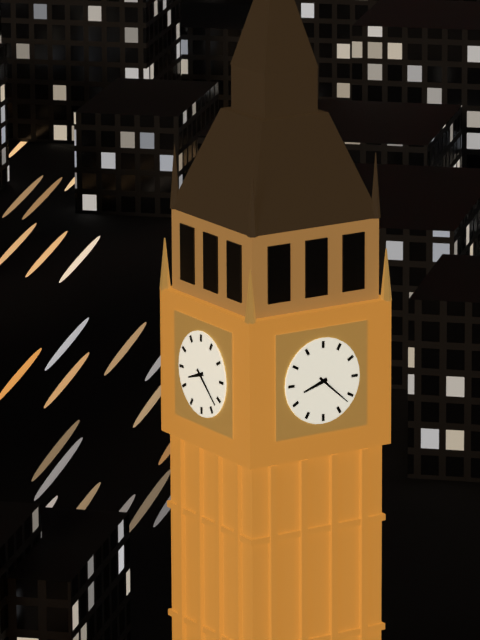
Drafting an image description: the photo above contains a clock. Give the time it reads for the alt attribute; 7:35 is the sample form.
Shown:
8:22
